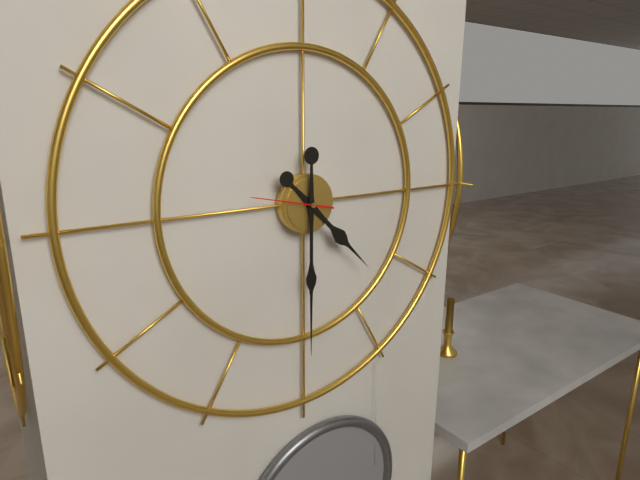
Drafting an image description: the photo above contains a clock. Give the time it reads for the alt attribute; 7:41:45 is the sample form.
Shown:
4:30:47
